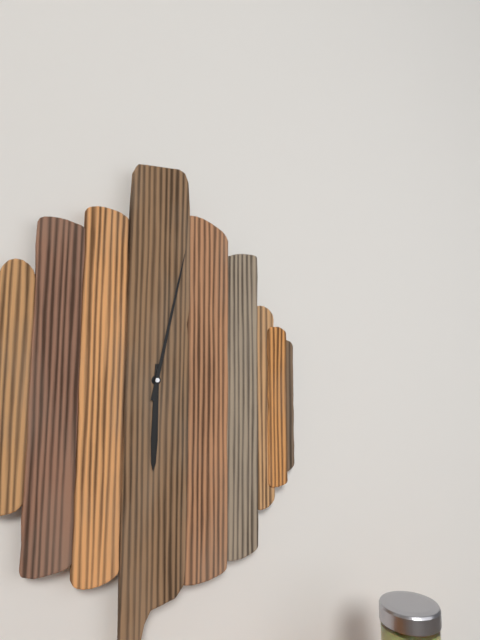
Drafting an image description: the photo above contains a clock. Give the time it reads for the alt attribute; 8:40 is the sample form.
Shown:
6:02
